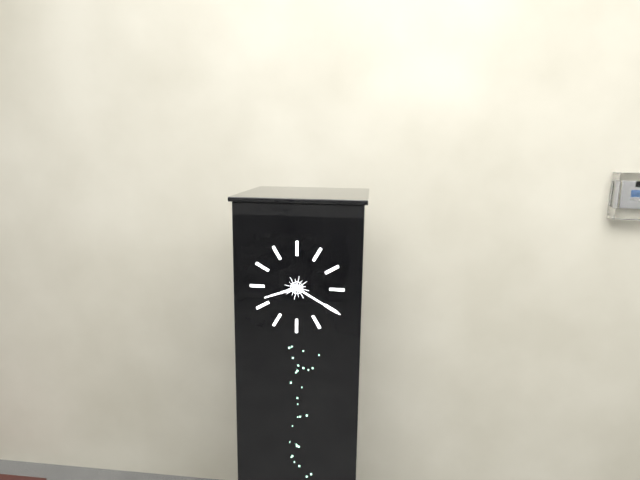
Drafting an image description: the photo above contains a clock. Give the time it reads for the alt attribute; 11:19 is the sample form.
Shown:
8:20
